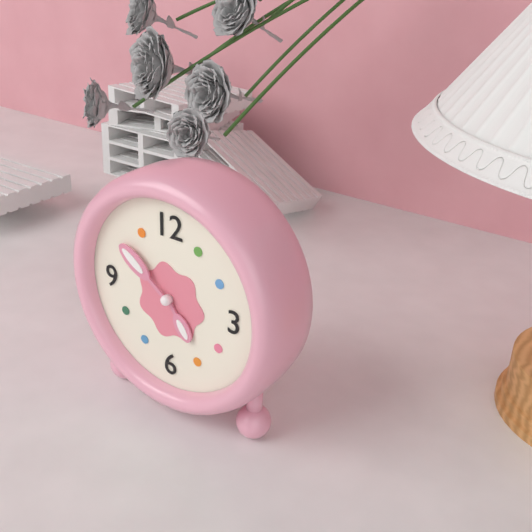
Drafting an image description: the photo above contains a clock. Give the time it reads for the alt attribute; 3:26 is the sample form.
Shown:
4:51
